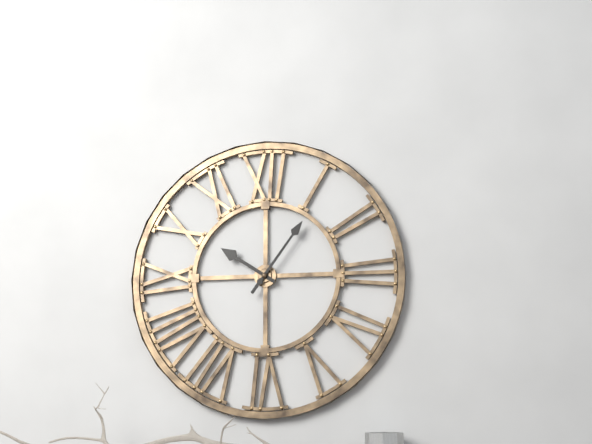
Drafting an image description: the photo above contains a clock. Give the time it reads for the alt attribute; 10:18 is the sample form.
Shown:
10:06
